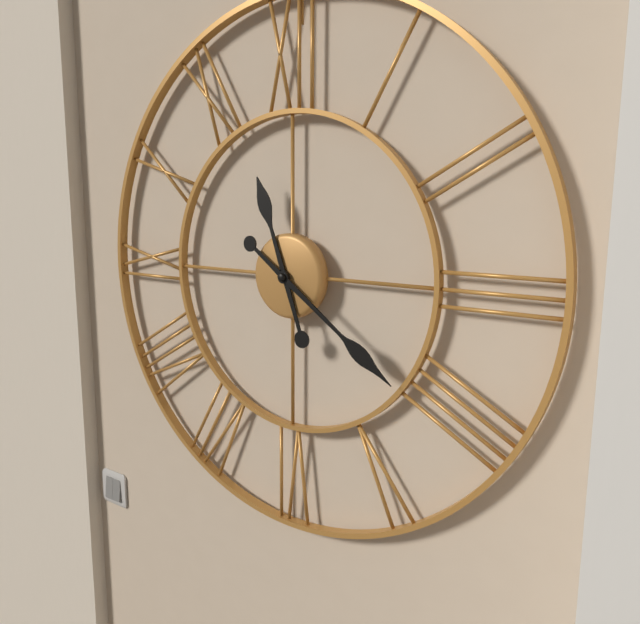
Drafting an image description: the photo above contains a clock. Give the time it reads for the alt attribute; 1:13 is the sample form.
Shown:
11:21
